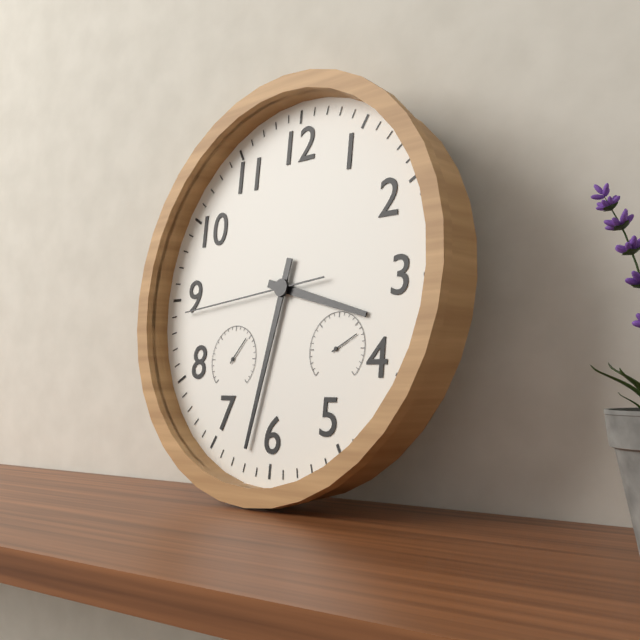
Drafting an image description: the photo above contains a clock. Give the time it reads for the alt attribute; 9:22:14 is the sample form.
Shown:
3:32:44
